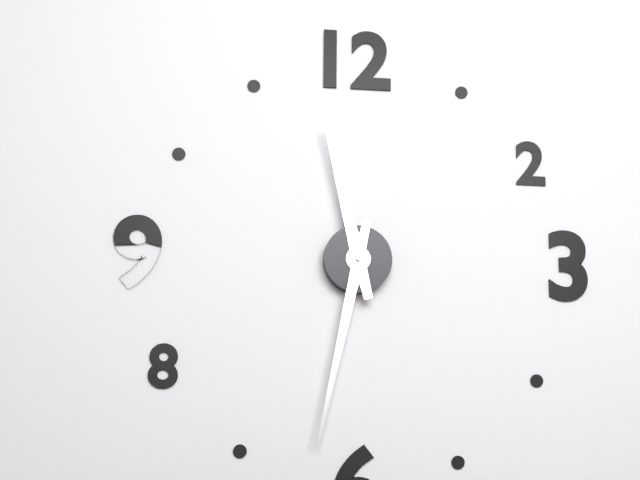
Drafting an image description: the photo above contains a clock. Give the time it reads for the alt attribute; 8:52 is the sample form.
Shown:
11:32
